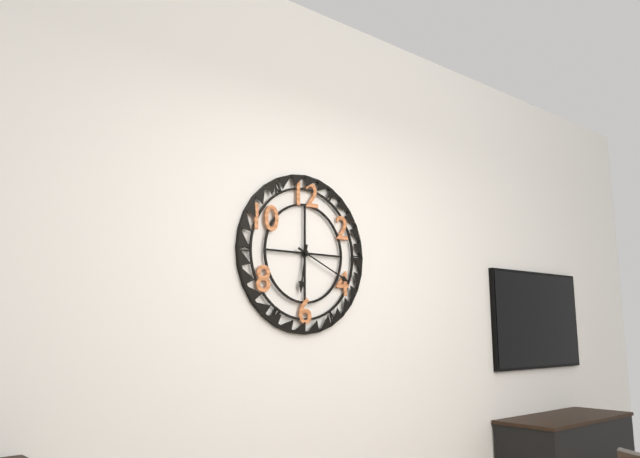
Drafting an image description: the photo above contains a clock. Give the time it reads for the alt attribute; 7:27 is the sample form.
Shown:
6:19
